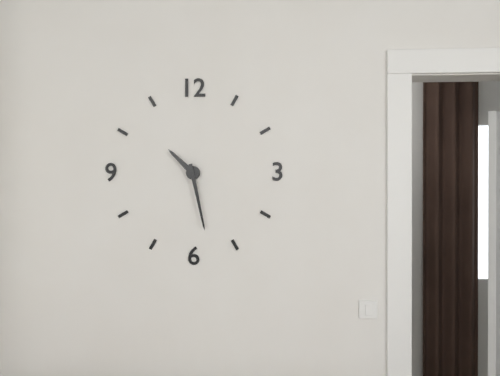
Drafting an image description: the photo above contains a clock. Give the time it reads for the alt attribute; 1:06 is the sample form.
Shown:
10:28
